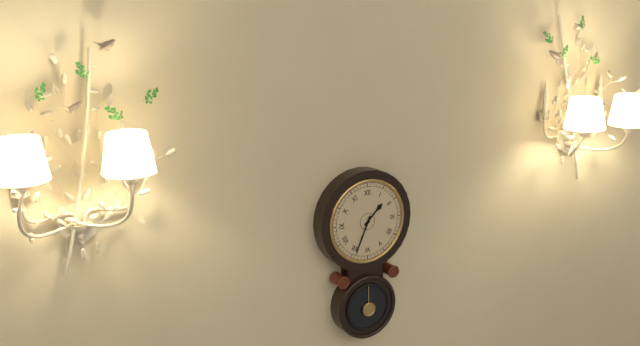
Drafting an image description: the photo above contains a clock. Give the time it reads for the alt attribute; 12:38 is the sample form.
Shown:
1:34
